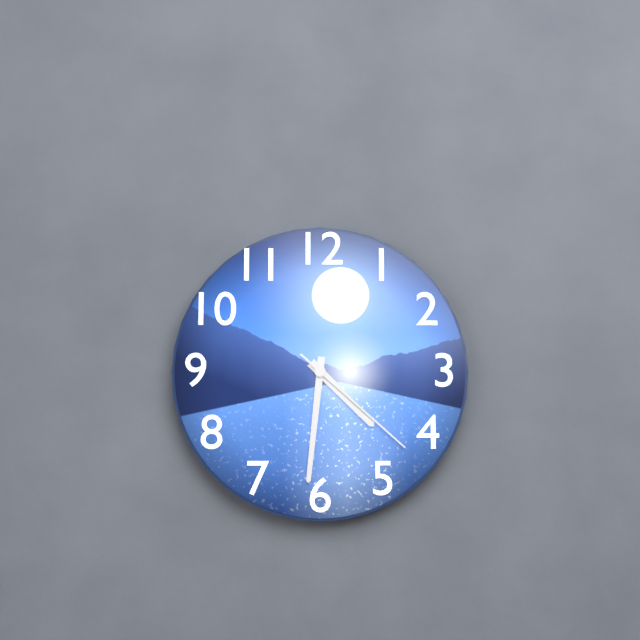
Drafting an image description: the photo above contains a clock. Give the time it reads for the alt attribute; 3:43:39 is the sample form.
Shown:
4:31:22
